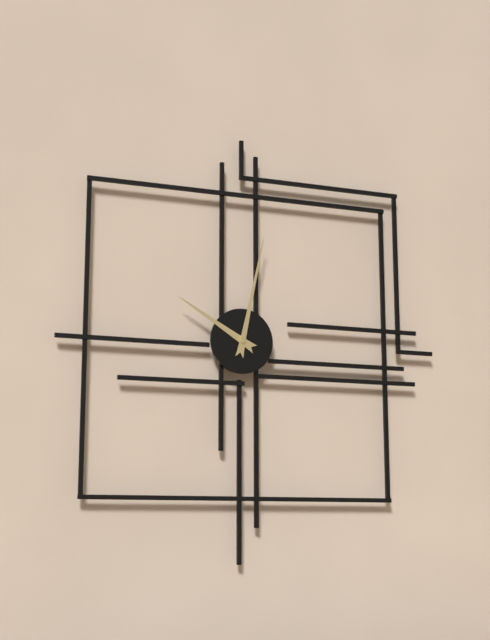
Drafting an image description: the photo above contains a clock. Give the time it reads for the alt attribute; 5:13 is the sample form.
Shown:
10:02
